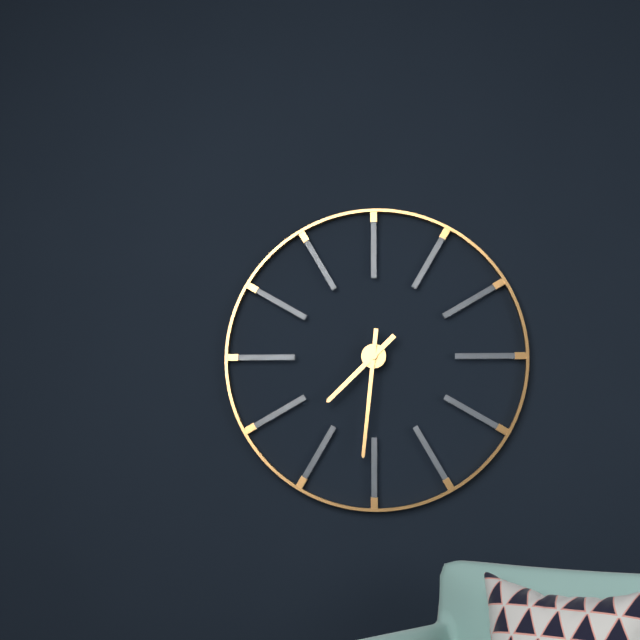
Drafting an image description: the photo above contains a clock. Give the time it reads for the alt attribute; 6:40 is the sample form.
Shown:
7:31
